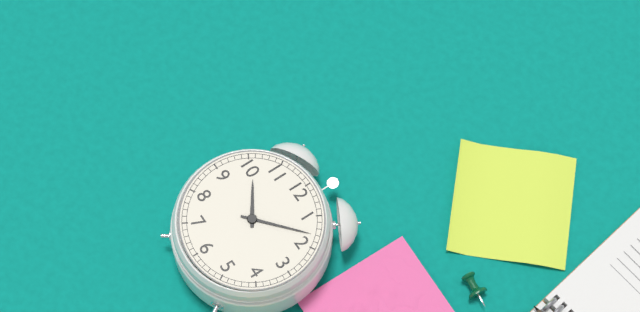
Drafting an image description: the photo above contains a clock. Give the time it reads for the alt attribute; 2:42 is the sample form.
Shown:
10:08
